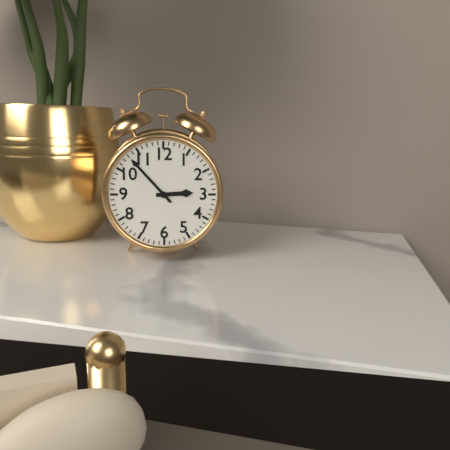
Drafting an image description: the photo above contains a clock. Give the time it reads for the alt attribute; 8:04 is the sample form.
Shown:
2:53
